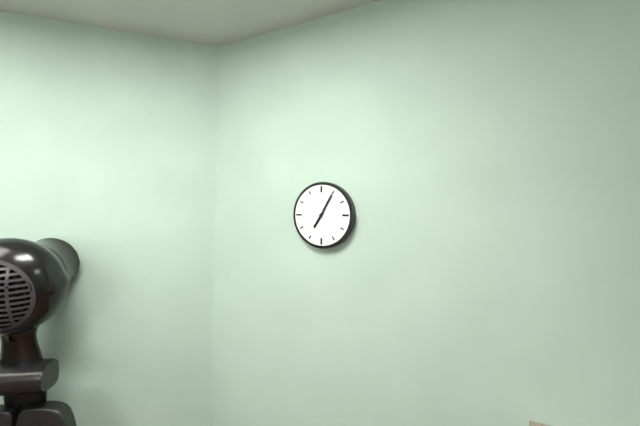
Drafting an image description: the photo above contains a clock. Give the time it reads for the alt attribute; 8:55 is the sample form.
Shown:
7:05
